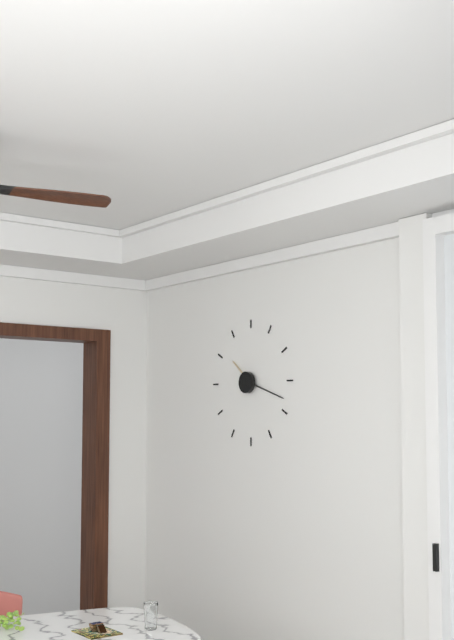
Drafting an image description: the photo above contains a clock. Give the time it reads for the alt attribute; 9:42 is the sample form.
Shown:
10:18
